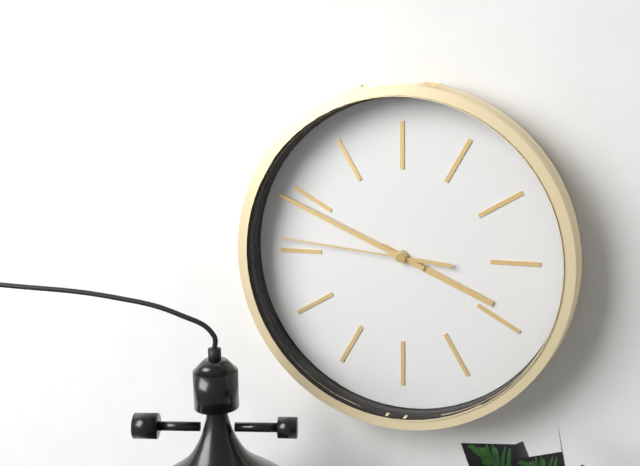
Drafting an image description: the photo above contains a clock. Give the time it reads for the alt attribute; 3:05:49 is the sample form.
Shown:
3:49:46
